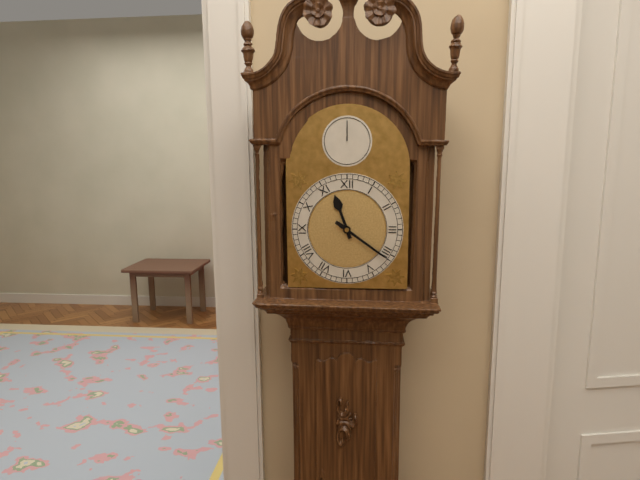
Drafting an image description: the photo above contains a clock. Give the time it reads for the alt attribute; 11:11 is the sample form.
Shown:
11:21
